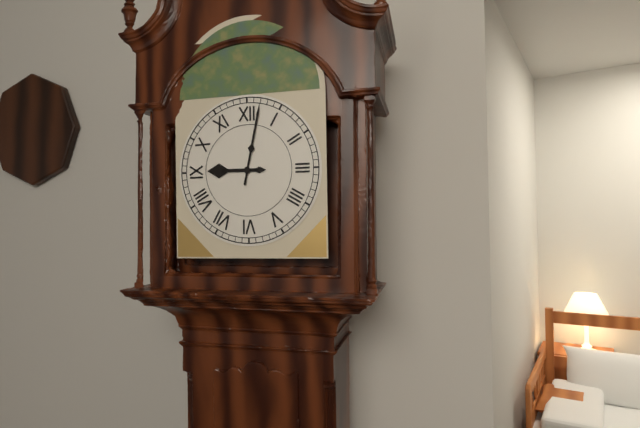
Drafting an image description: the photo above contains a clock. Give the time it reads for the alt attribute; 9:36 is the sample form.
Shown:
9:02
